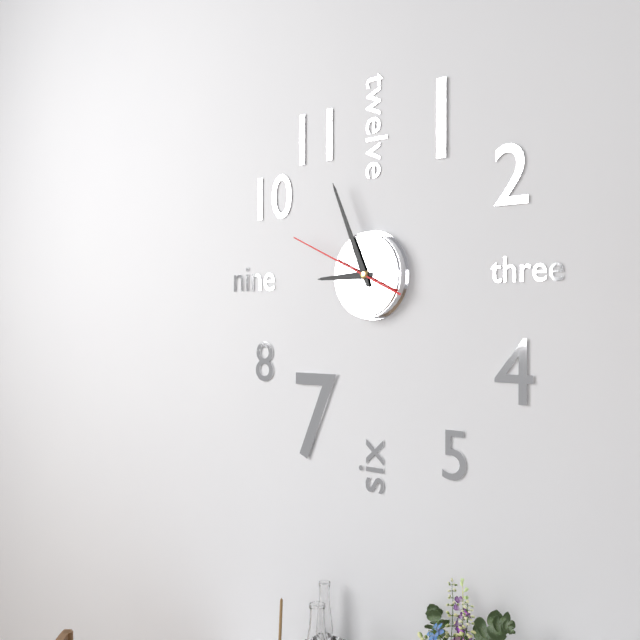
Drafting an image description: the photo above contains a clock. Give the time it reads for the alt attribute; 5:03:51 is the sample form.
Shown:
8:56:49
